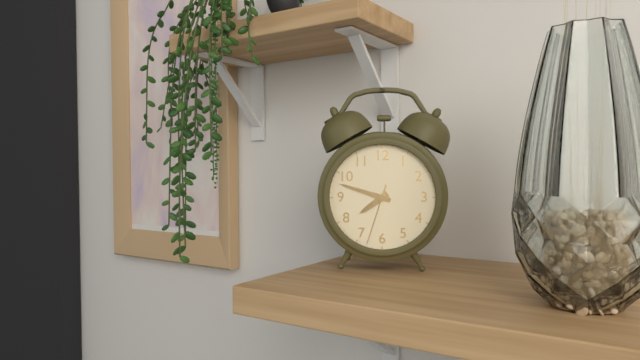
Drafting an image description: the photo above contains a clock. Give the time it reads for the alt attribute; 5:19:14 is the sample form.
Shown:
7:48:33
